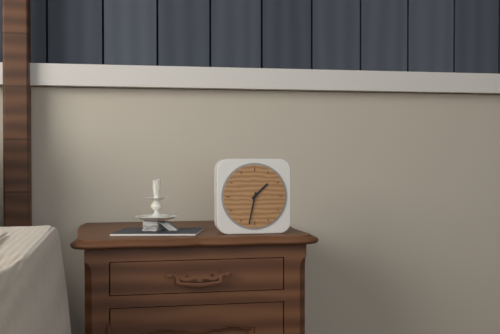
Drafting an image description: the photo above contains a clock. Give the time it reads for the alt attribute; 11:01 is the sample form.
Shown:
1:32
